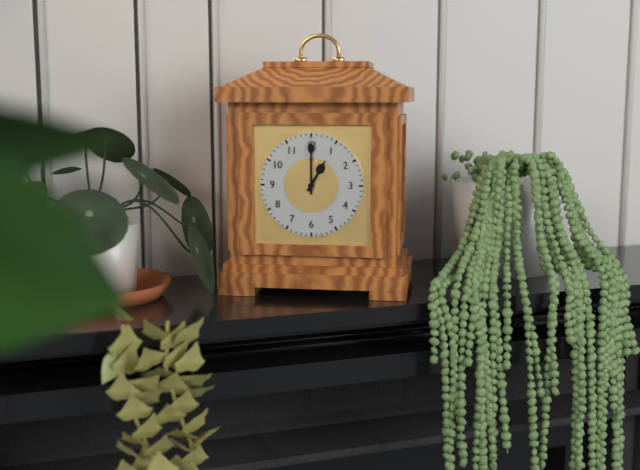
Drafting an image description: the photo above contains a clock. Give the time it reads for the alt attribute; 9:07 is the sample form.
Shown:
1:00
